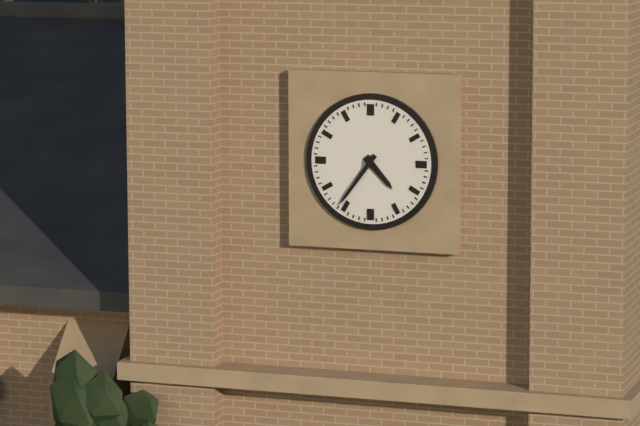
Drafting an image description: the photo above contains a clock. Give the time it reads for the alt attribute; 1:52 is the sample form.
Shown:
4:36
